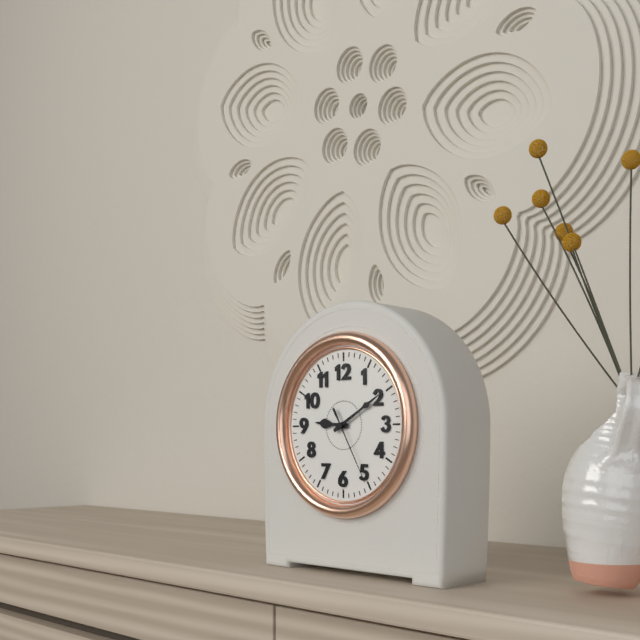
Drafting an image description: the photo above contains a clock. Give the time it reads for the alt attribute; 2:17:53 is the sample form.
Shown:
9:10:25
